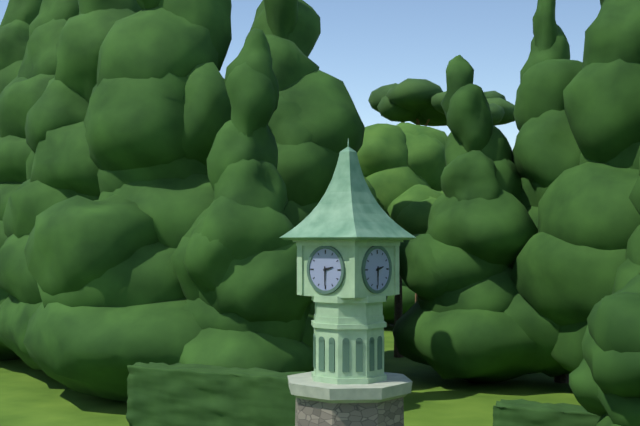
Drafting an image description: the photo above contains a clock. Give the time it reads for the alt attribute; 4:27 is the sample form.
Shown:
2:30
